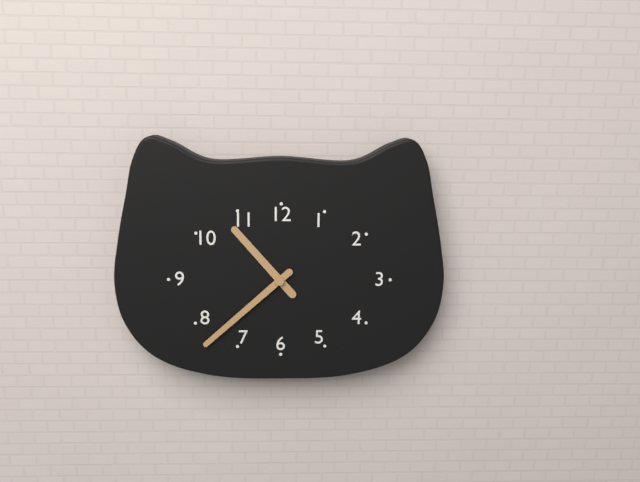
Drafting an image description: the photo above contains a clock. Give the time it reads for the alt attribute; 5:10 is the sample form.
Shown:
10:38
